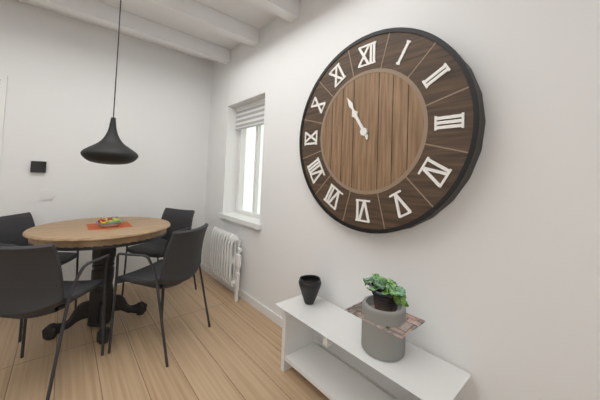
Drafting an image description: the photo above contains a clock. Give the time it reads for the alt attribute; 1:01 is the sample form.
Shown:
10:55
